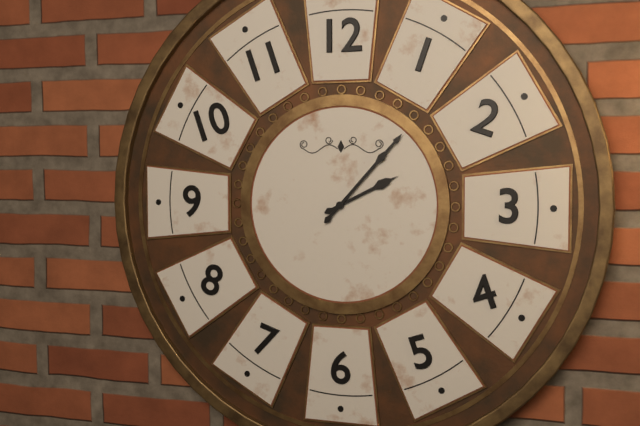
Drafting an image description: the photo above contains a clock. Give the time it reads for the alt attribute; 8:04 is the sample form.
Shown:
2:07
